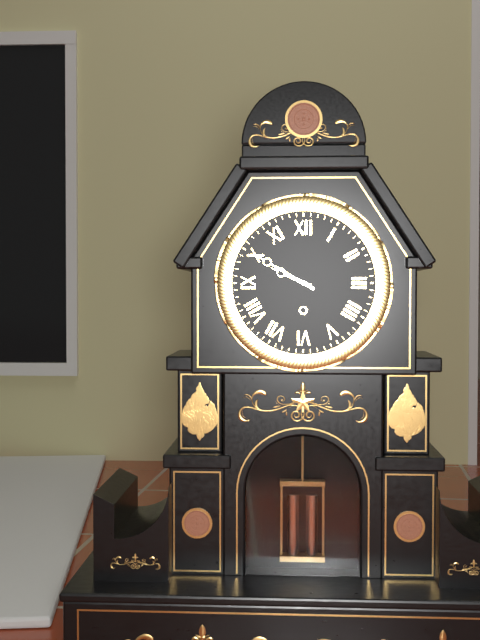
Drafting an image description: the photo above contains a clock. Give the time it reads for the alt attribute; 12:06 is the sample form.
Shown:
9:50
